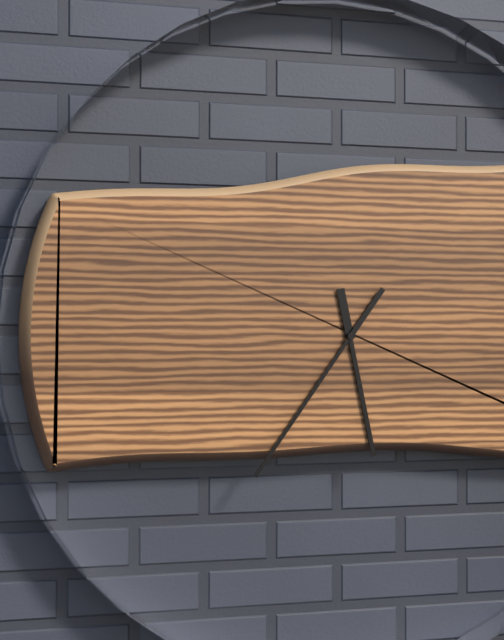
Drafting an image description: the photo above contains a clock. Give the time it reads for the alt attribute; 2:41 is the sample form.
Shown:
5:36
